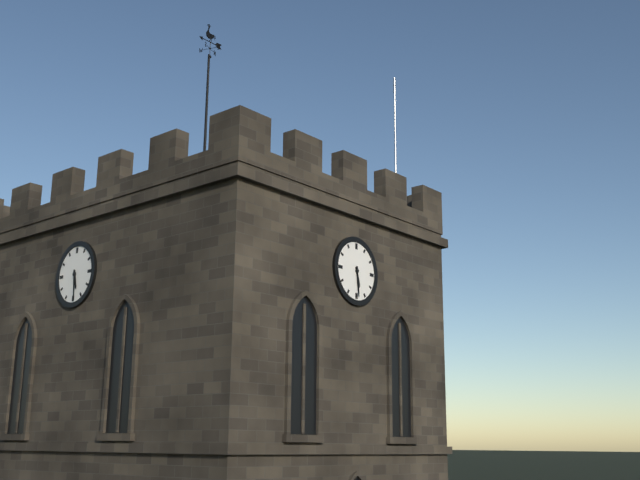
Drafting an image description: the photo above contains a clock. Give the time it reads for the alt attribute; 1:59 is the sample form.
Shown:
5:29
